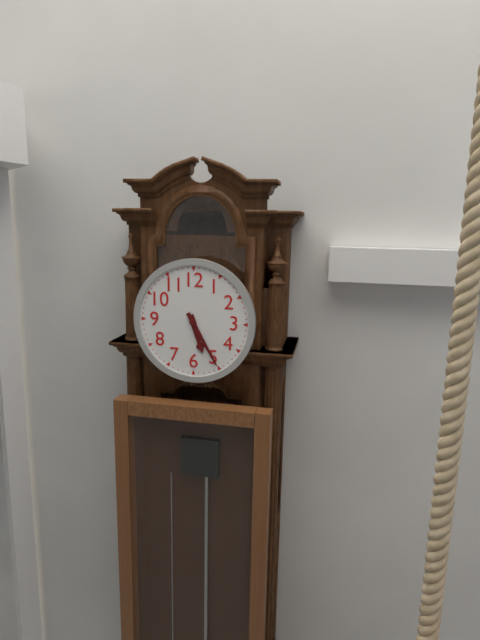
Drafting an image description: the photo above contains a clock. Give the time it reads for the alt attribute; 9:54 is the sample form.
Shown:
5:25
